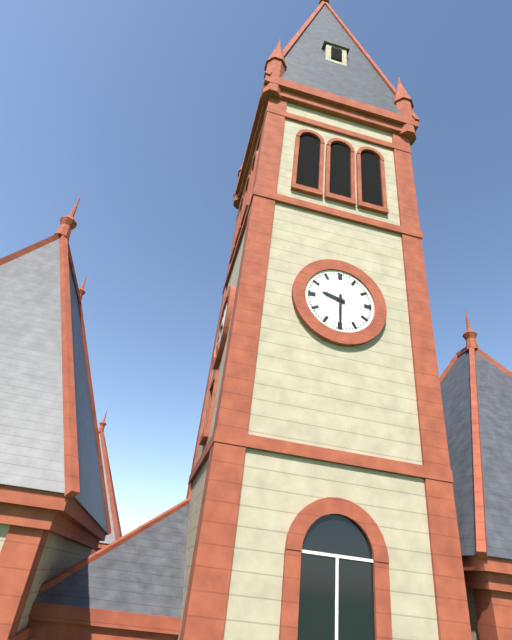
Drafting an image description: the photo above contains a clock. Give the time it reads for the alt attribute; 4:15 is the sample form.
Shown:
9:30
